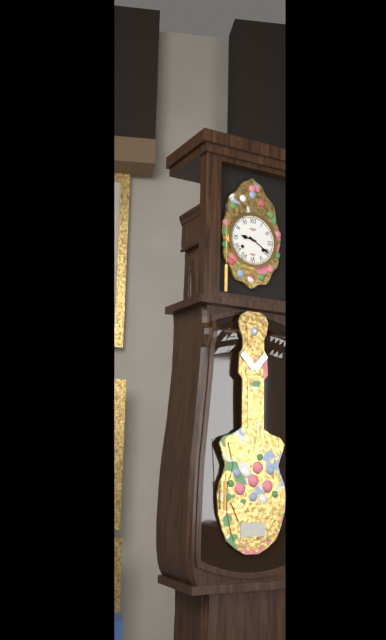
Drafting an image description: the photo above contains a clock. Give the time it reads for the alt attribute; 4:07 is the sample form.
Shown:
9:20
